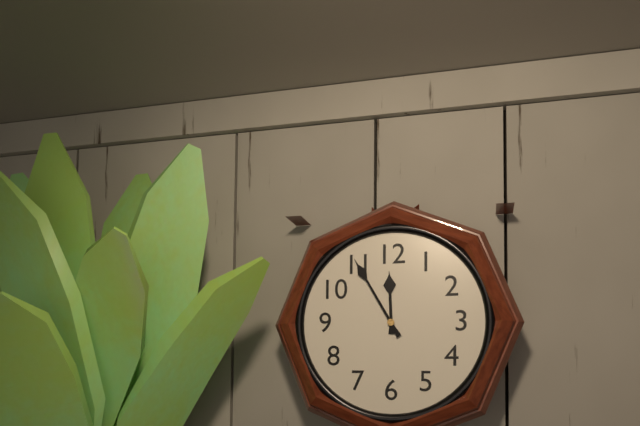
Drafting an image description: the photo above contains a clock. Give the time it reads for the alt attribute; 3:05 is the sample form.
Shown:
11:55
